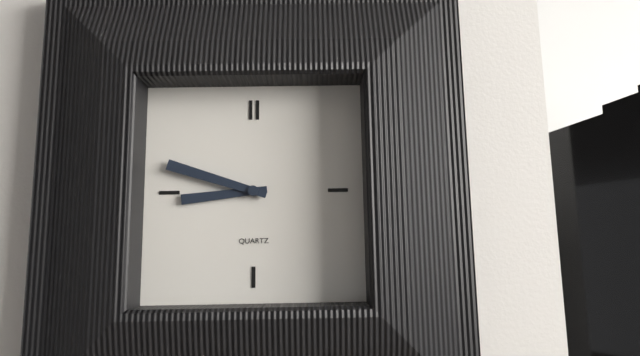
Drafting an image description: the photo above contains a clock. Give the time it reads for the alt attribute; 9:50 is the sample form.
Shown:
8:48
